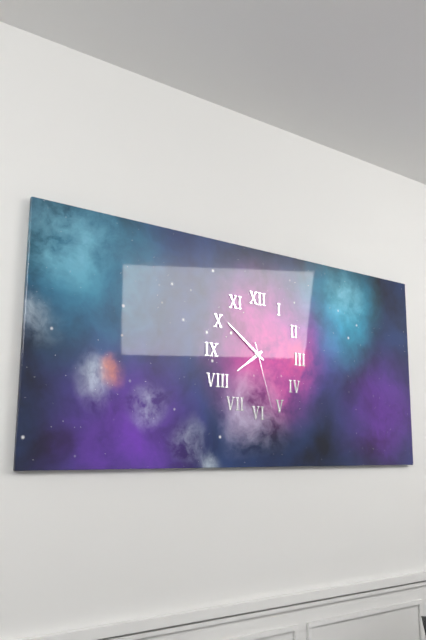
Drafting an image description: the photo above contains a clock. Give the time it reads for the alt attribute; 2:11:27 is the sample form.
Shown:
7:51:27
